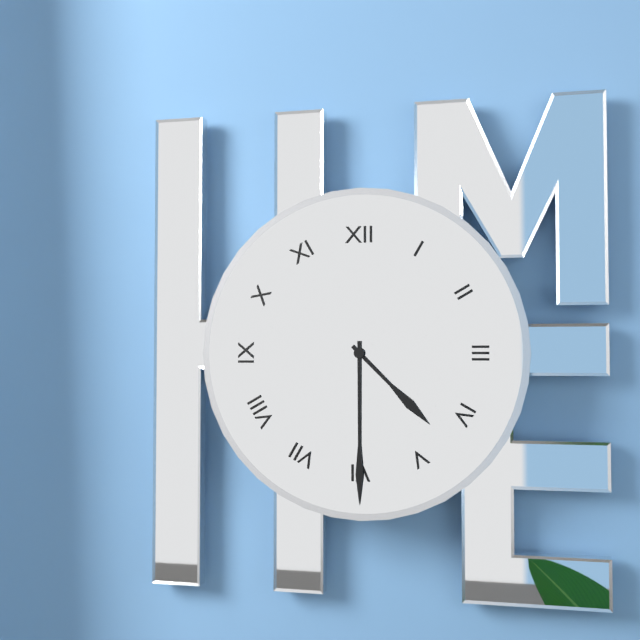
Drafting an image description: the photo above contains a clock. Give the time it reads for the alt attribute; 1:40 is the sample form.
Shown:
4:30
